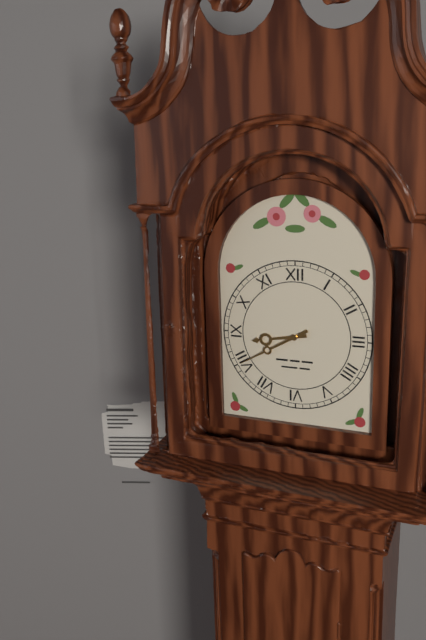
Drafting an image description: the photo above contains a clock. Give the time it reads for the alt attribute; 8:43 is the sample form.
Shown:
8:40
